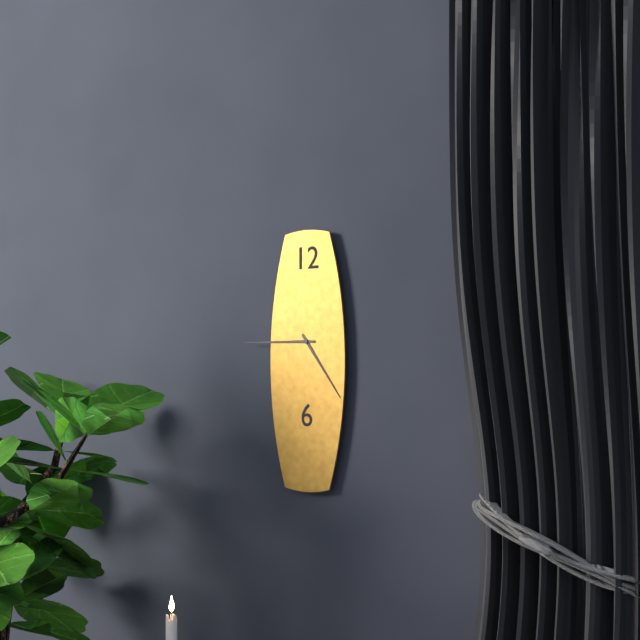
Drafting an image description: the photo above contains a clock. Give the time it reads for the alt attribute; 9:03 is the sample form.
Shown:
4:45
